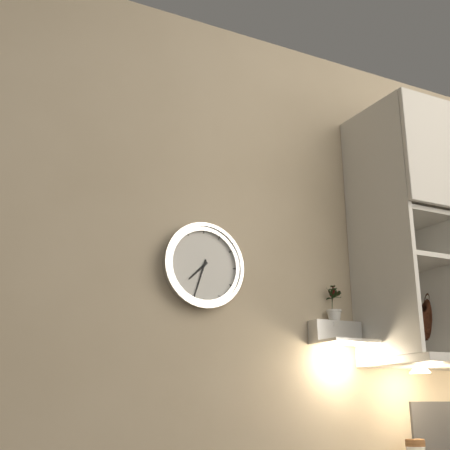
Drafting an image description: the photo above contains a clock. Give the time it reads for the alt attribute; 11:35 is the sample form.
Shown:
7:33
